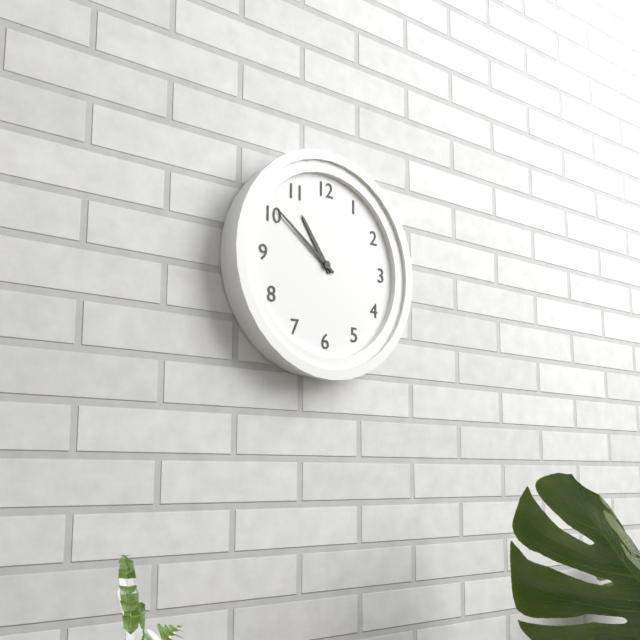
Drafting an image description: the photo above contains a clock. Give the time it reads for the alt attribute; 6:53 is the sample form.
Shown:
10:51
